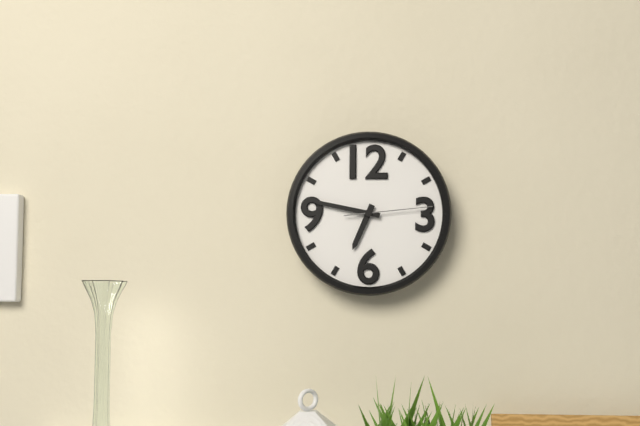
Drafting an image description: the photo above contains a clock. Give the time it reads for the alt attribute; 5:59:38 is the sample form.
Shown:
6:47:14
